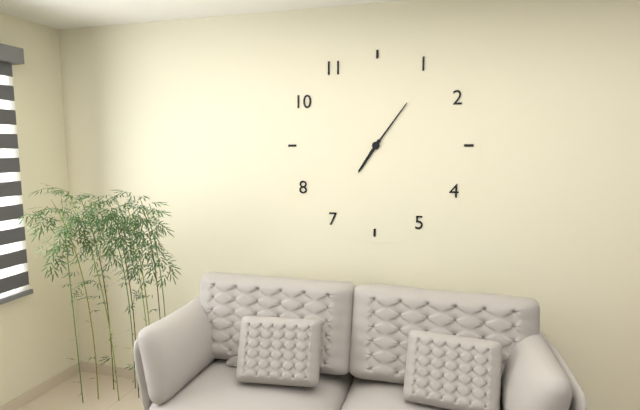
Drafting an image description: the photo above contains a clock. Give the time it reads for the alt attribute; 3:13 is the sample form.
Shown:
7:06
